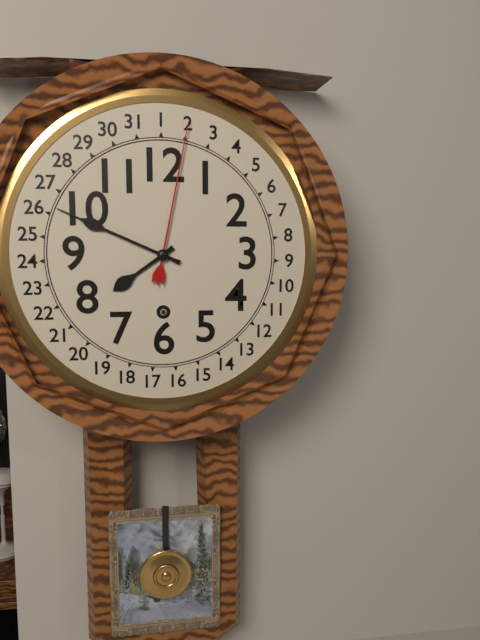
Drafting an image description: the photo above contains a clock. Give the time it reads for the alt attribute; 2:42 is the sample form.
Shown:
7:49
